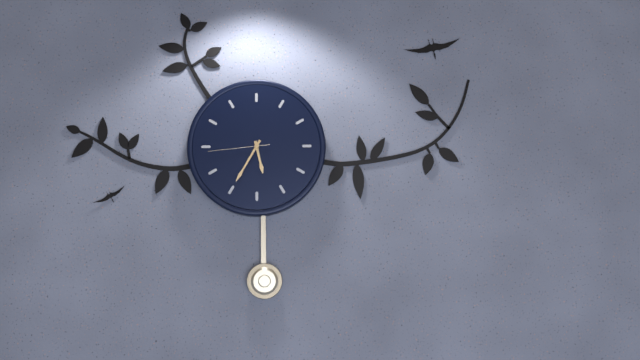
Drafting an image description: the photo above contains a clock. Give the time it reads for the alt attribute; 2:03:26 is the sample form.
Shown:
5:35:44
